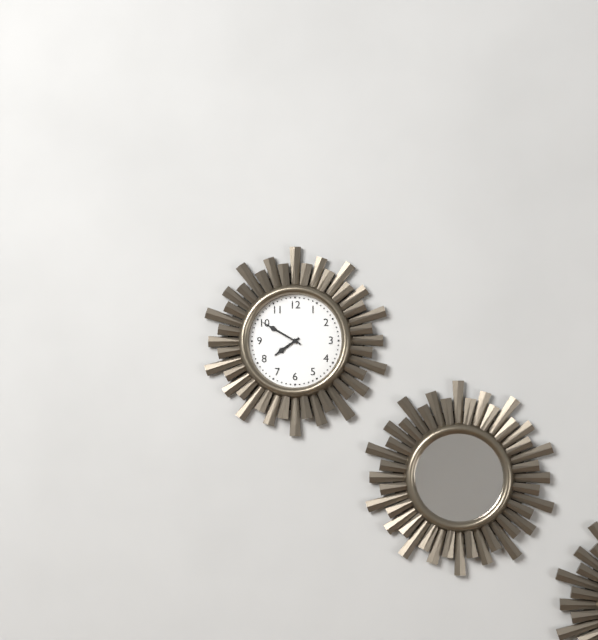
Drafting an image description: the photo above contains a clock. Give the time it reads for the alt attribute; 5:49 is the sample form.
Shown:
7:50
